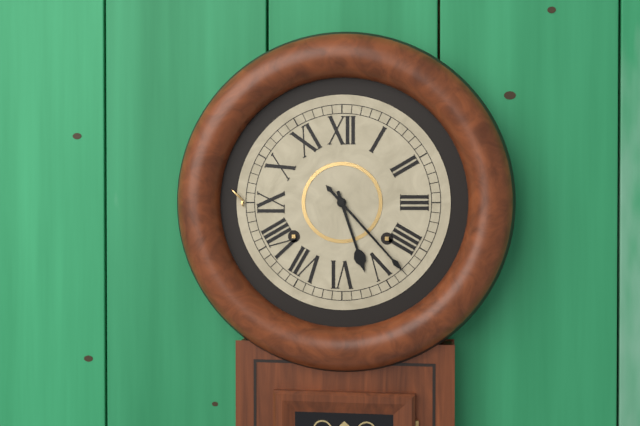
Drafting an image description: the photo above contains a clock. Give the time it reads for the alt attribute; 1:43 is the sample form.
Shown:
5:23
